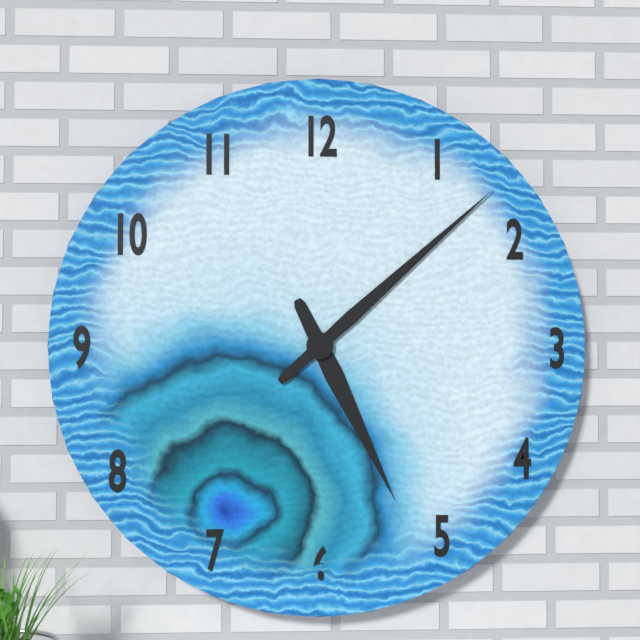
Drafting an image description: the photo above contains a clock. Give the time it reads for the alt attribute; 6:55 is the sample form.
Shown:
5:08
